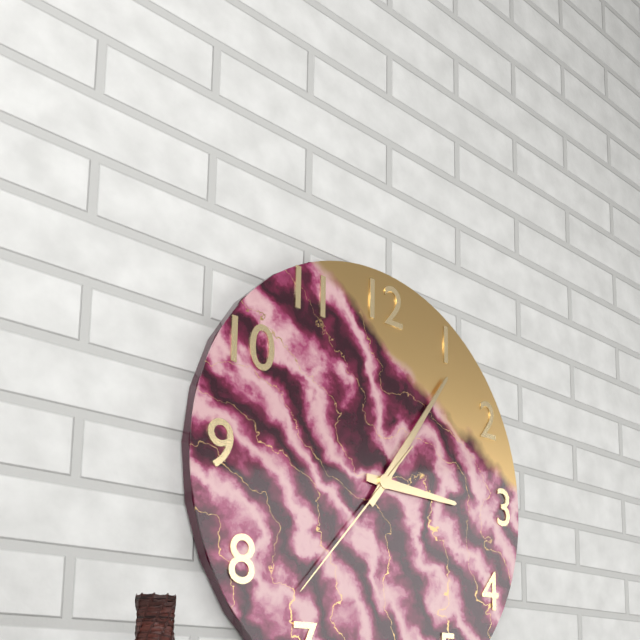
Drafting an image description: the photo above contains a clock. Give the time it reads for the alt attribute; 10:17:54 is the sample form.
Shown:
3:06:37
